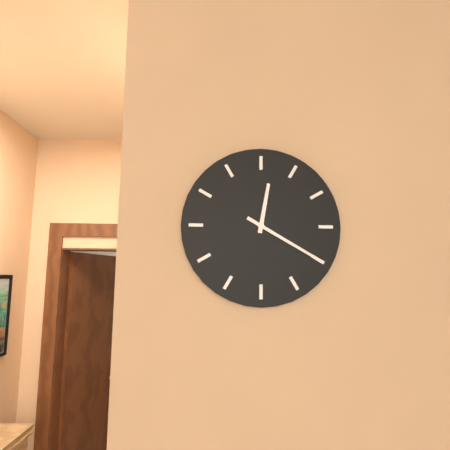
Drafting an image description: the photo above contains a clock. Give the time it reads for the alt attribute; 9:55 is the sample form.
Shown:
12:20
